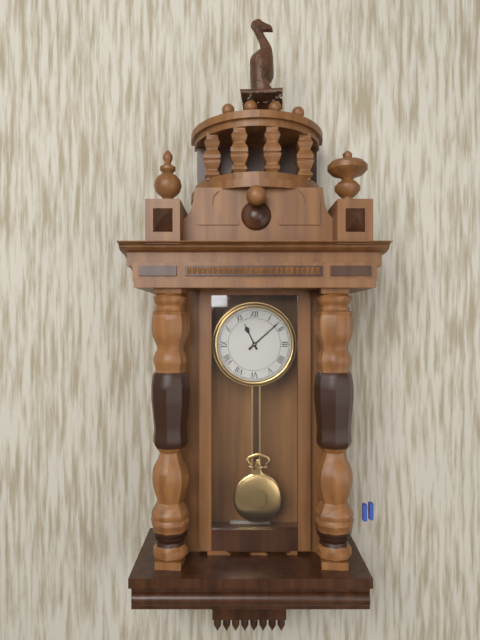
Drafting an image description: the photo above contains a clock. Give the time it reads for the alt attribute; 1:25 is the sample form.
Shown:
11:08
